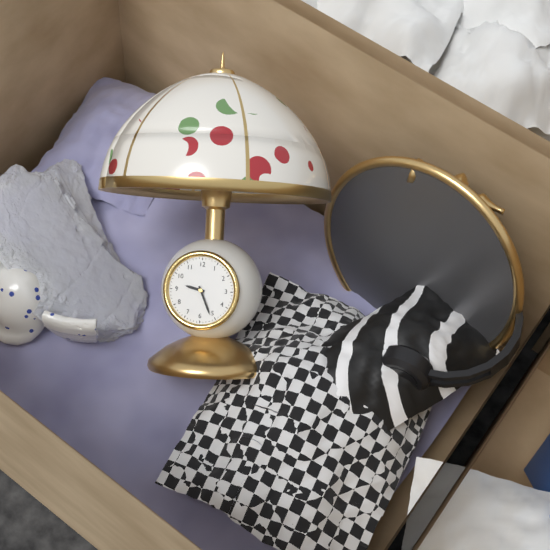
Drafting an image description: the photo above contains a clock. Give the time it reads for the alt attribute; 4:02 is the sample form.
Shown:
9:26
